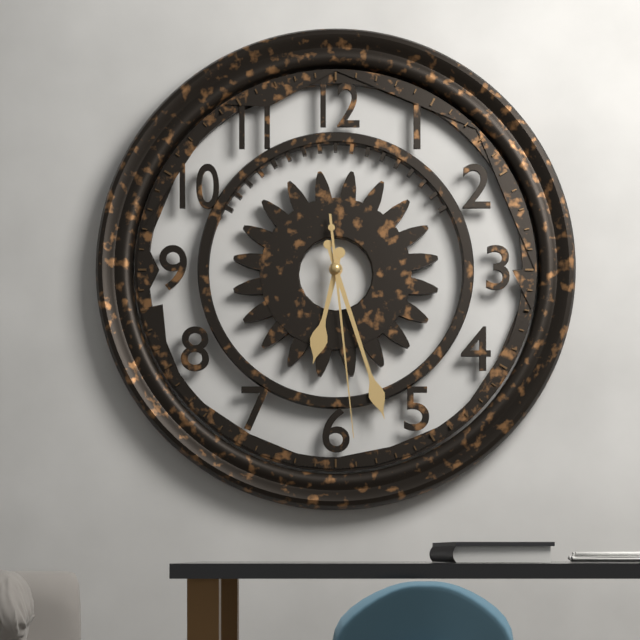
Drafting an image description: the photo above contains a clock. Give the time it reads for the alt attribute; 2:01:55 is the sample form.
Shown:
6:27:29
